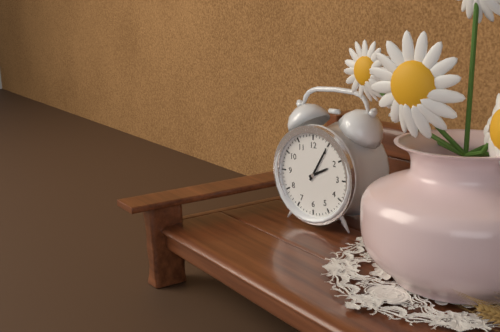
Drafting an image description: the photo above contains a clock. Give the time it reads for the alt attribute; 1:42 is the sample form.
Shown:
2:05
